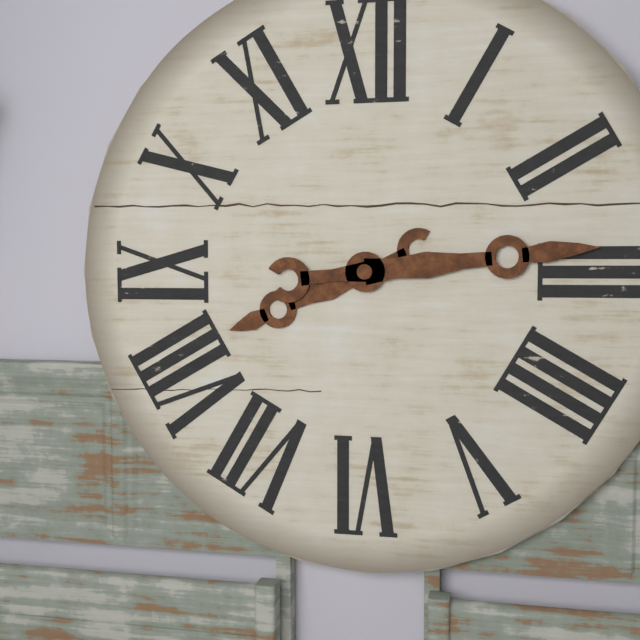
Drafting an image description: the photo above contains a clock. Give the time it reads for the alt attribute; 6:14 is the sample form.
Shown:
8:14
